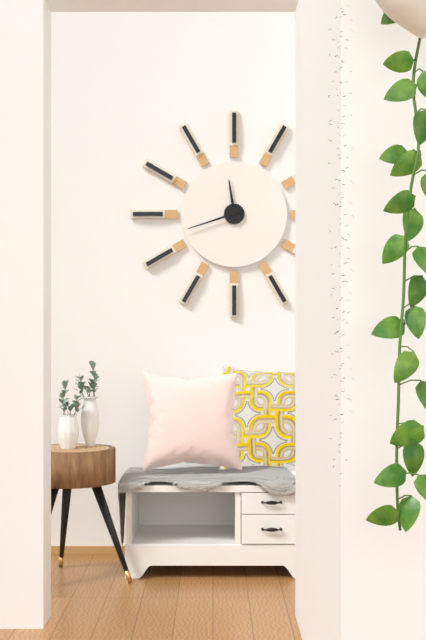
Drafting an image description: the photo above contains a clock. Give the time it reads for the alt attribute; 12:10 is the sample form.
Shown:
11:42
